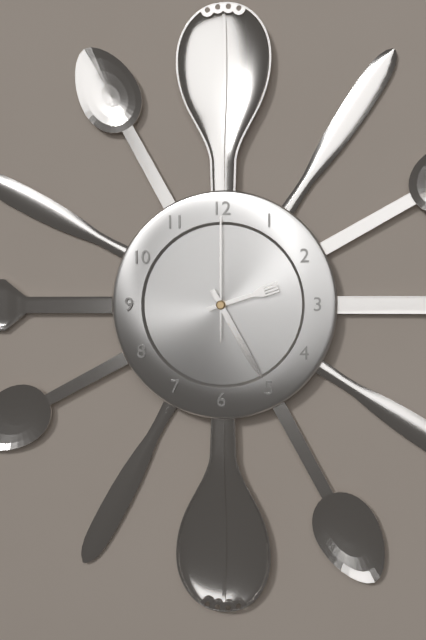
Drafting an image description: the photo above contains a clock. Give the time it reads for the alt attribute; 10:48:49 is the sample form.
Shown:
2:25:00
